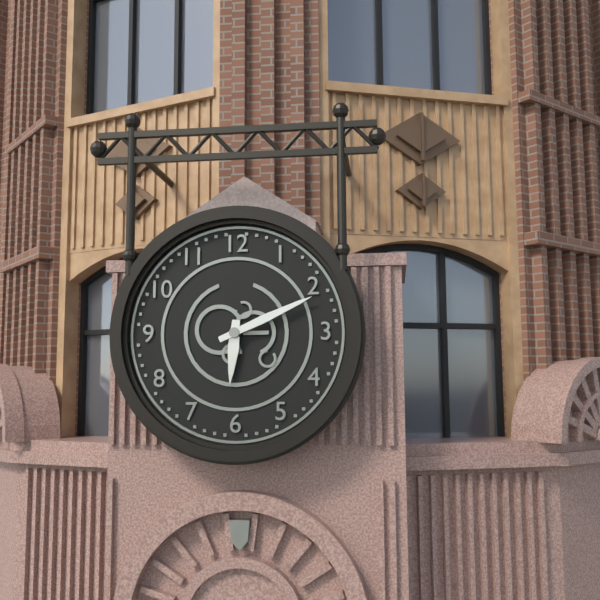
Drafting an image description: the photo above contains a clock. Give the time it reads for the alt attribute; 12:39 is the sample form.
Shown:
6:11
